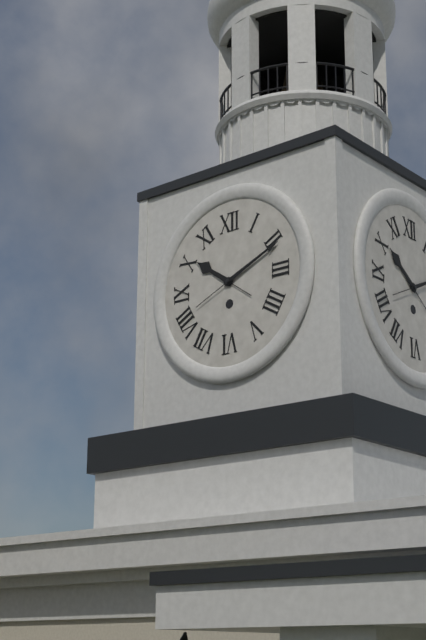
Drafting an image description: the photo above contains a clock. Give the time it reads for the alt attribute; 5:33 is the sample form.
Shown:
10:11
